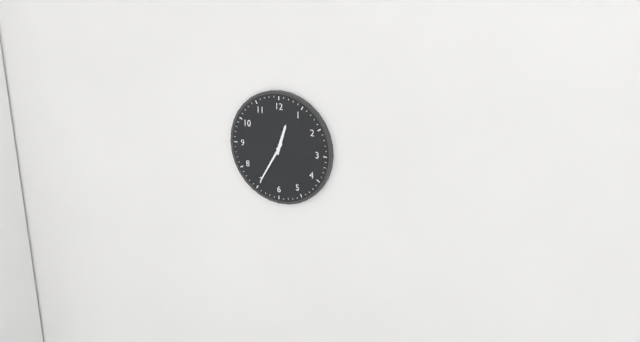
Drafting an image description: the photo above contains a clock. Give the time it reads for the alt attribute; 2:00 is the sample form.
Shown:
12:35
